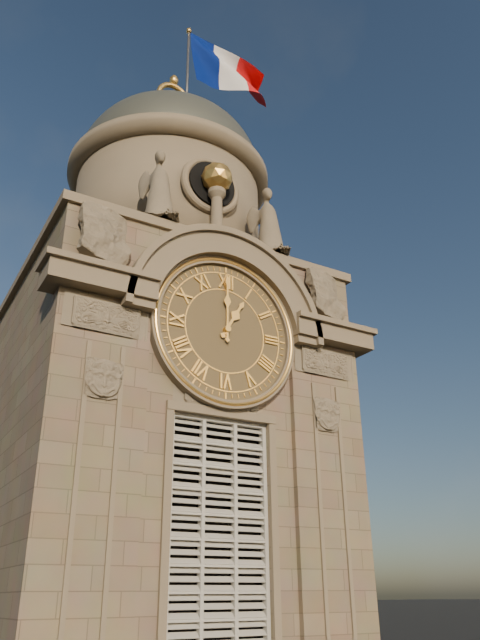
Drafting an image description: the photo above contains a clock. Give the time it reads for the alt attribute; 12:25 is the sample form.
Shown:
1:00
